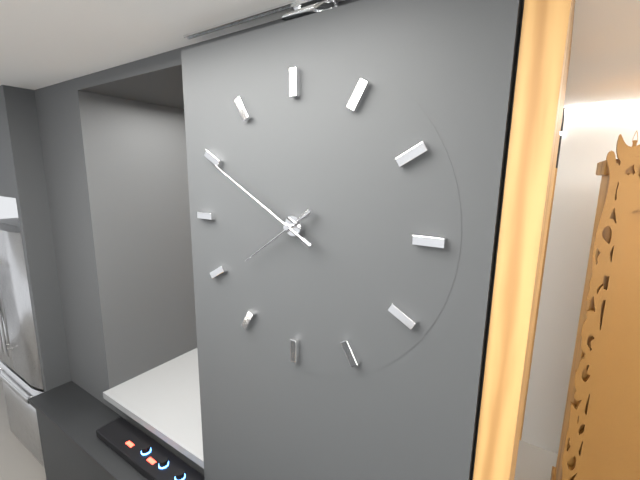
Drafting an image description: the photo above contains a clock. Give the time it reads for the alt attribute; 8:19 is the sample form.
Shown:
7:50
